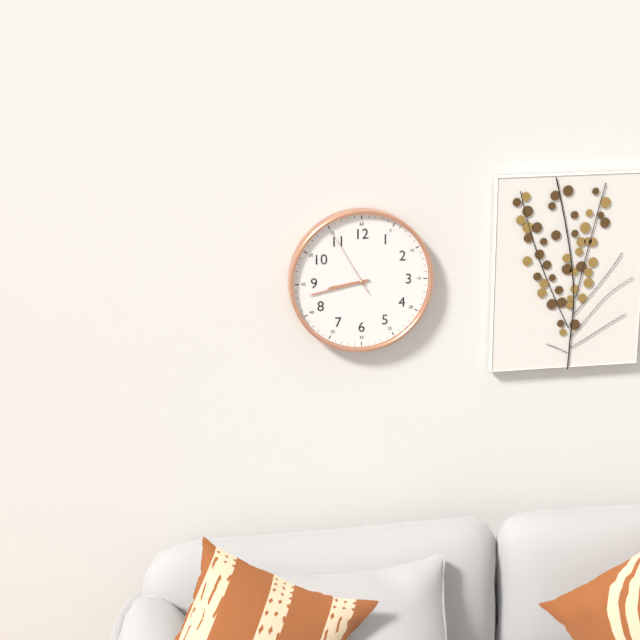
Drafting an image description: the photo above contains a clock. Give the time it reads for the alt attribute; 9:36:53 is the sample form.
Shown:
8:43:55
